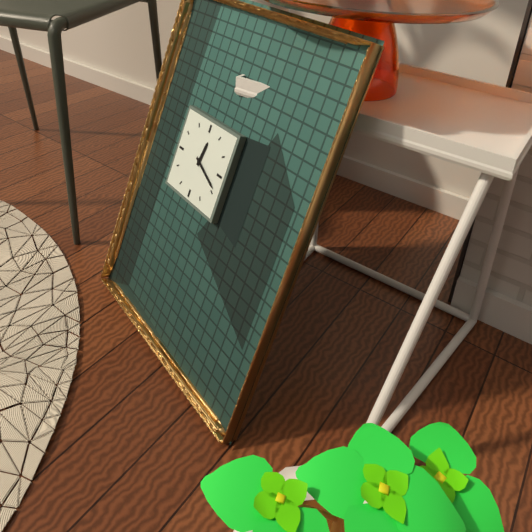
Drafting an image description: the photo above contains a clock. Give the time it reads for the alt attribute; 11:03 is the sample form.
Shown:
12:19
